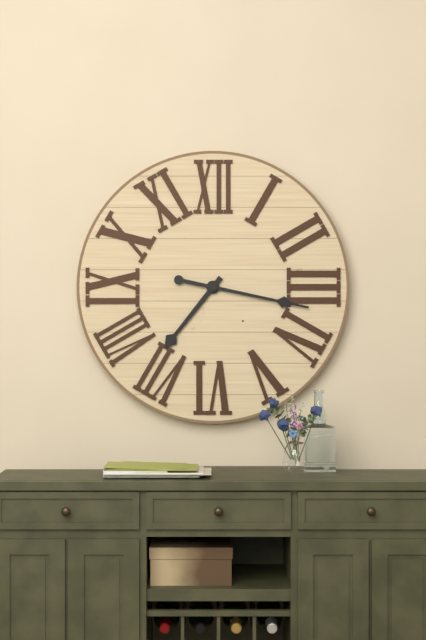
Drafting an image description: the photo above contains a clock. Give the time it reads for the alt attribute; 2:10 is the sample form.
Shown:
7:17
